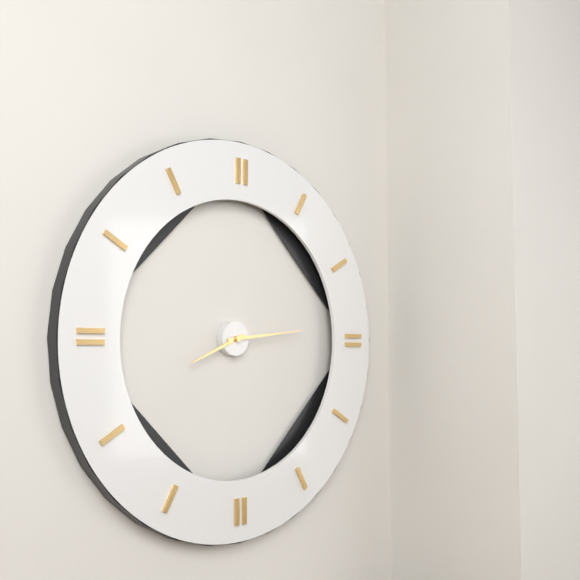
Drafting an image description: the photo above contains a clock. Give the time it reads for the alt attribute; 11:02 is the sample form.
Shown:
8:14
